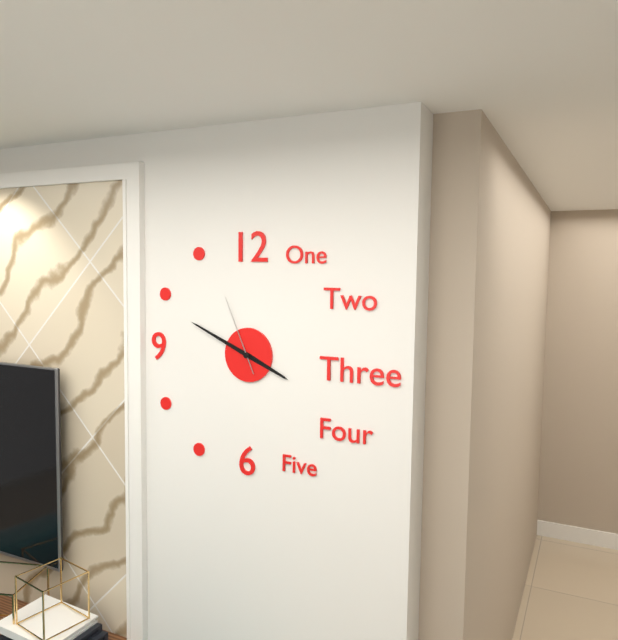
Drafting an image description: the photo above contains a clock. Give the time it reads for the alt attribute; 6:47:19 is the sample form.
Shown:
3:49:56
